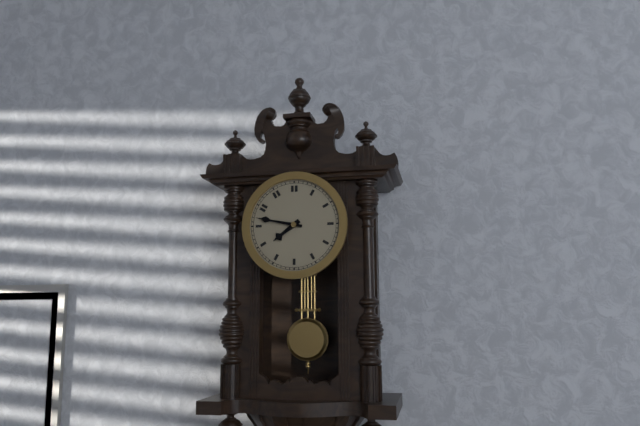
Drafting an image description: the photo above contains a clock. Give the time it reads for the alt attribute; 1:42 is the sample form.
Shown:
7:47
